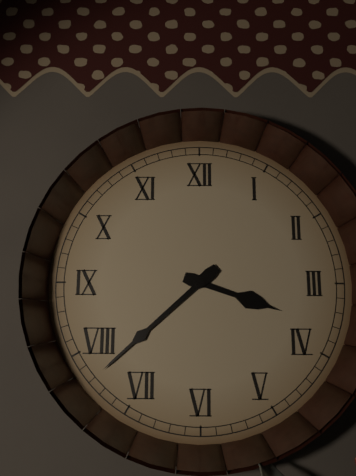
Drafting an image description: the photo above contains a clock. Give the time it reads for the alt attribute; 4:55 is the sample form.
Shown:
3:38
